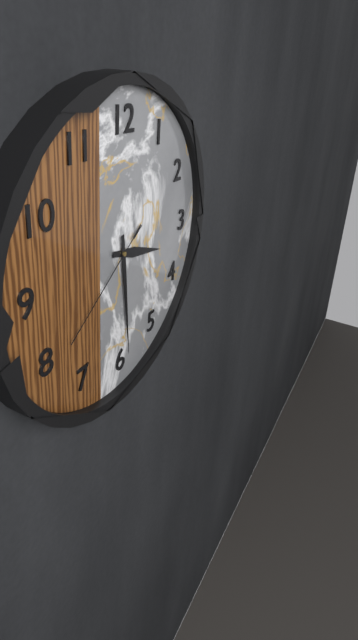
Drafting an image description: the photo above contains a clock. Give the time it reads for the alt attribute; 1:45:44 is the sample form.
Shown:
3:29:39
